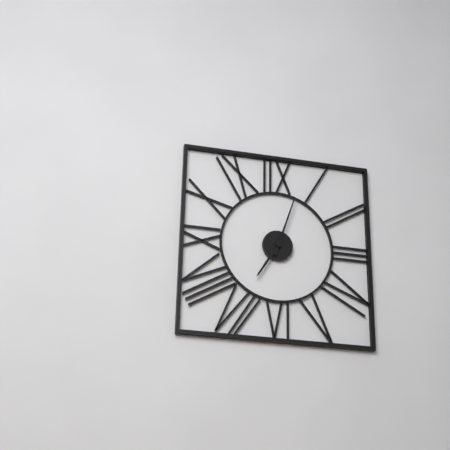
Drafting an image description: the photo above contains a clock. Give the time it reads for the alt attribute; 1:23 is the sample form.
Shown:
7:03
